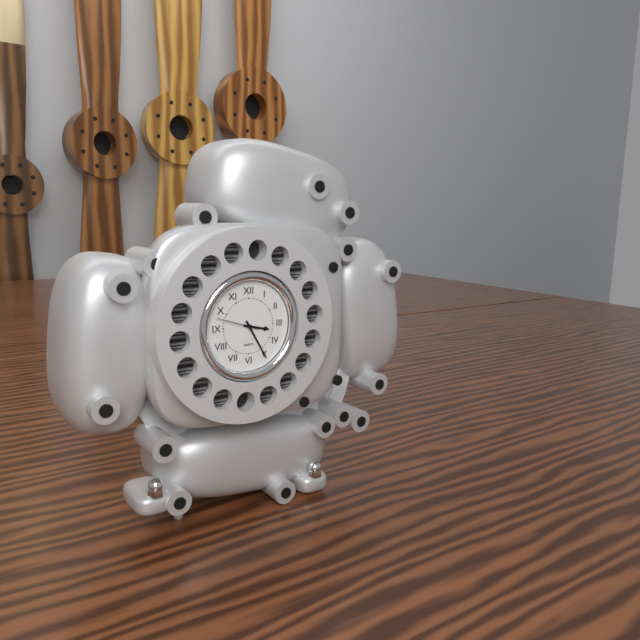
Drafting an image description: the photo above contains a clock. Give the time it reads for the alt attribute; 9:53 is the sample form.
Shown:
3:25
